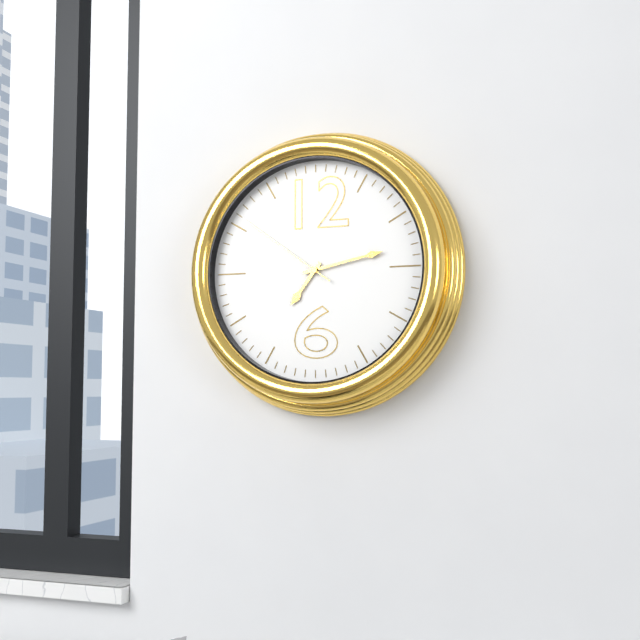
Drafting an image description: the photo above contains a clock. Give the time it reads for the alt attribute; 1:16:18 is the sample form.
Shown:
7:13:51
